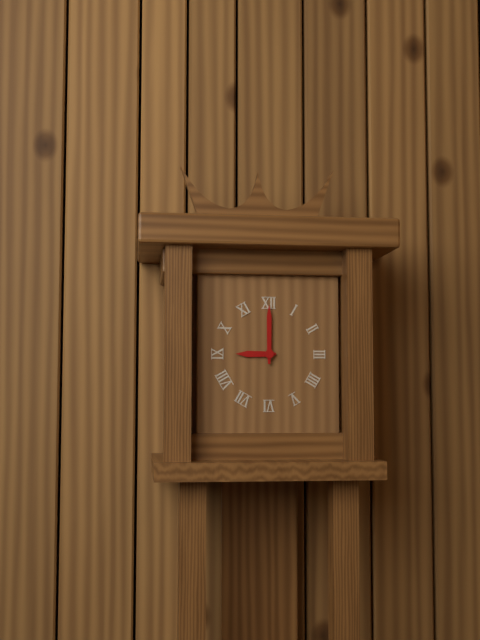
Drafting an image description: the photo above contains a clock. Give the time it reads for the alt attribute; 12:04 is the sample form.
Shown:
9:00
